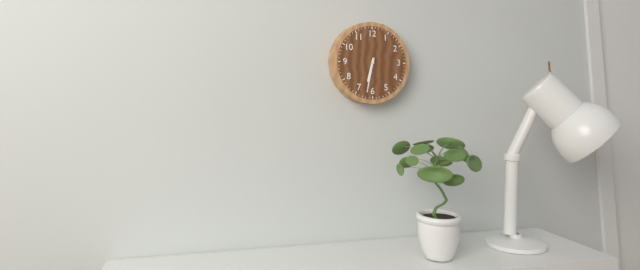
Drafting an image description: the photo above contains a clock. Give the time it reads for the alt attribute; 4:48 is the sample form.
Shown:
6:32
